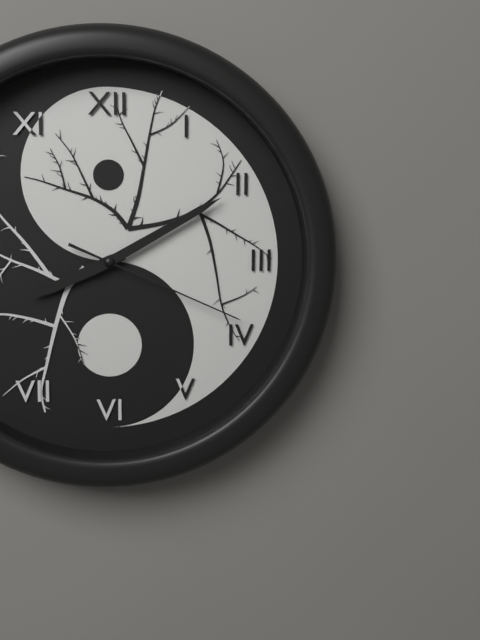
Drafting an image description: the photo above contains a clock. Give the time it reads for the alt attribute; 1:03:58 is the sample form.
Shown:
8:10:19
